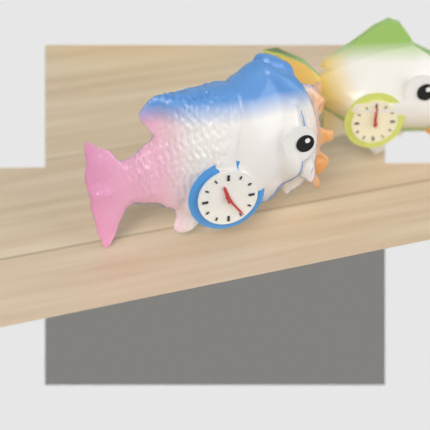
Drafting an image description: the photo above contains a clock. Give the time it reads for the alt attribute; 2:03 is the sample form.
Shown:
11:24
